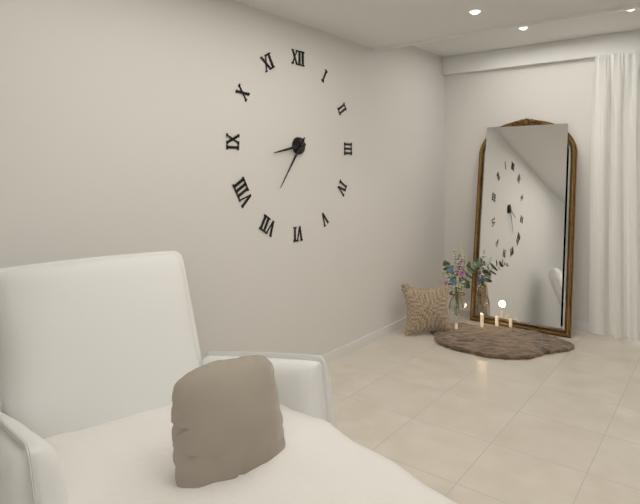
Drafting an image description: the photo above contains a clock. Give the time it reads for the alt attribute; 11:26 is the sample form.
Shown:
8:36
